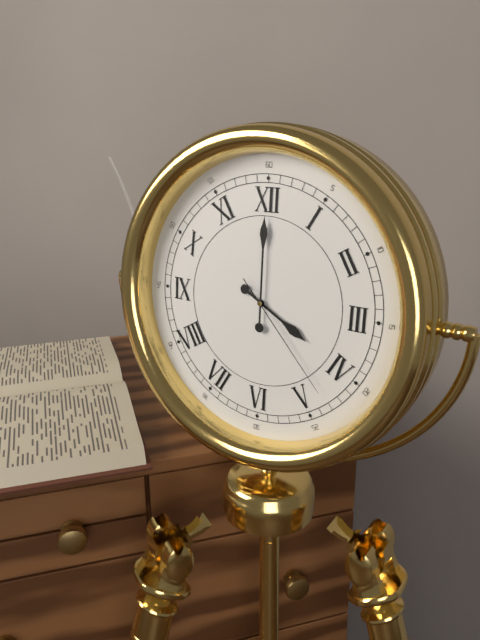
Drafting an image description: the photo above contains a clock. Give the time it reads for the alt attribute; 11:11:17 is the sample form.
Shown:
4:00:23
